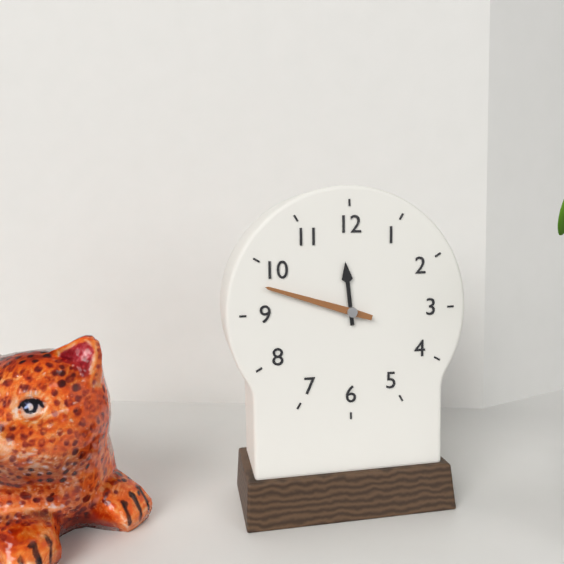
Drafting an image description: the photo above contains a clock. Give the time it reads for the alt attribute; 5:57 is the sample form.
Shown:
11:48
